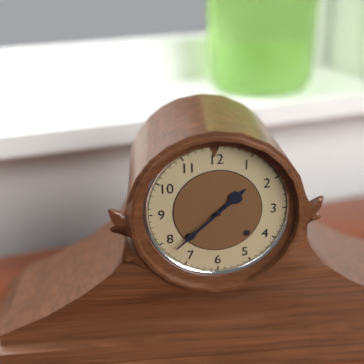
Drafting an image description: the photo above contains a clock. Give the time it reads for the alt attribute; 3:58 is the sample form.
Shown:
1:38
